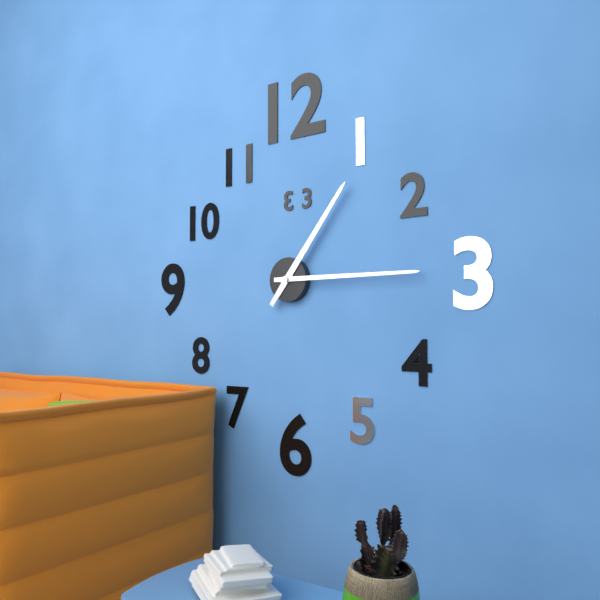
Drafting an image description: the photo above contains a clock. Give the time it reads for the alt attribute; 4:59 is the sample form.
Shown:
1:15
